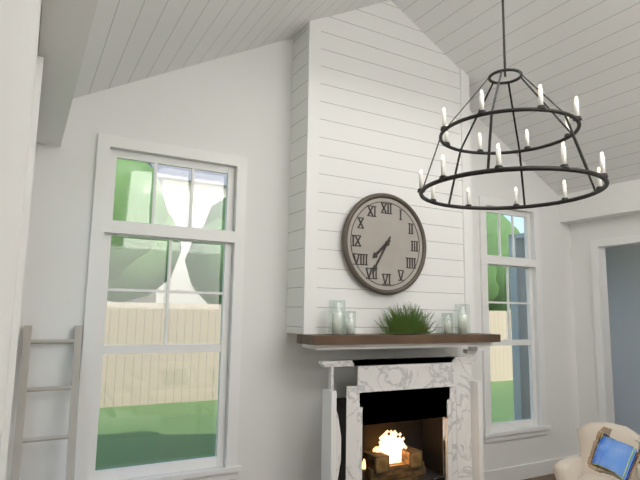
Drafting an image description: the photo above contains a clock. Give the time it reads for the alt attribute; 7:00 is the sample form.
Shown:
7:35
